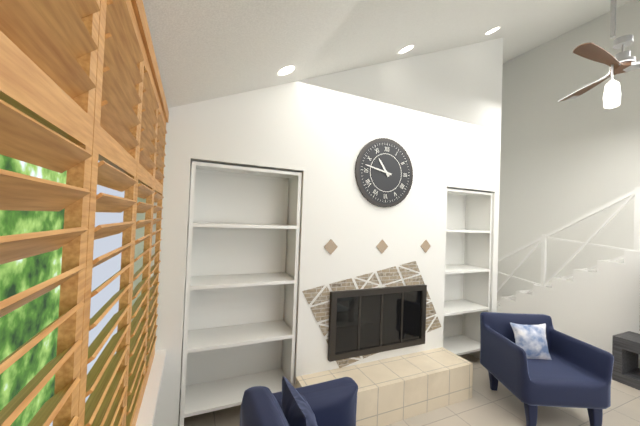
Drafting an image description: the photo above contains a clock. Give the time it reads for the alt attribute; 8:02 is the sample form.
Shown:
10:47
